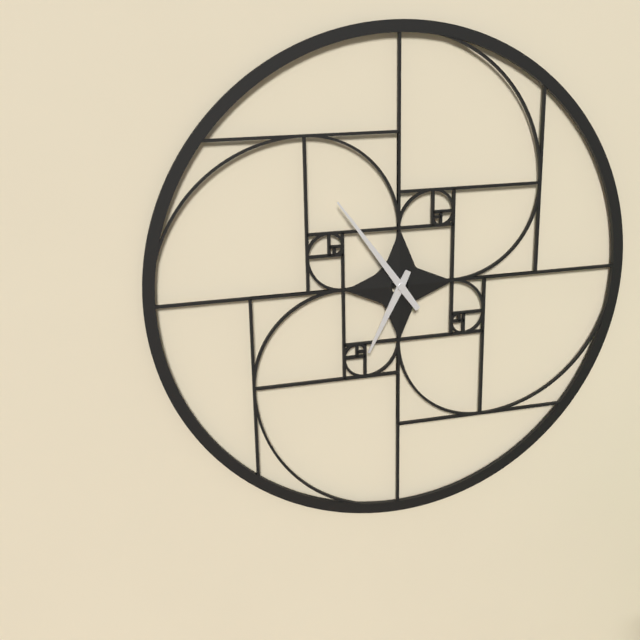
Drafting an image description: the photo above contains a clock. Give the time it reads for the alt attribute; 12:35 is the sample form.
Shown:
6:54
